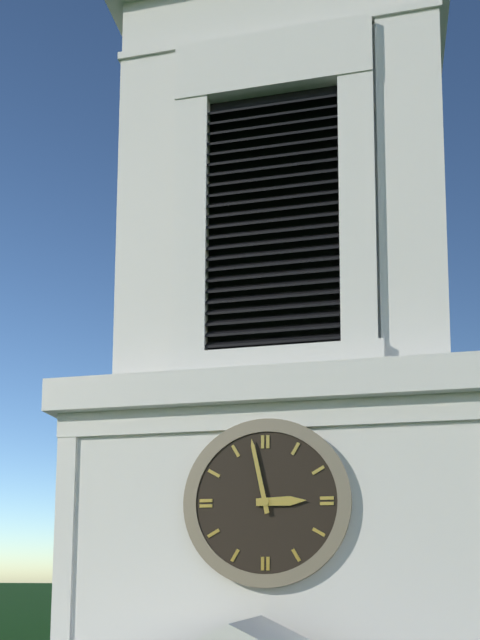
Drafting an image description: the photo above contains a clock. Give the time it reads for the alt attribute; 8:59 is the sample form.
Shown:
2:58
